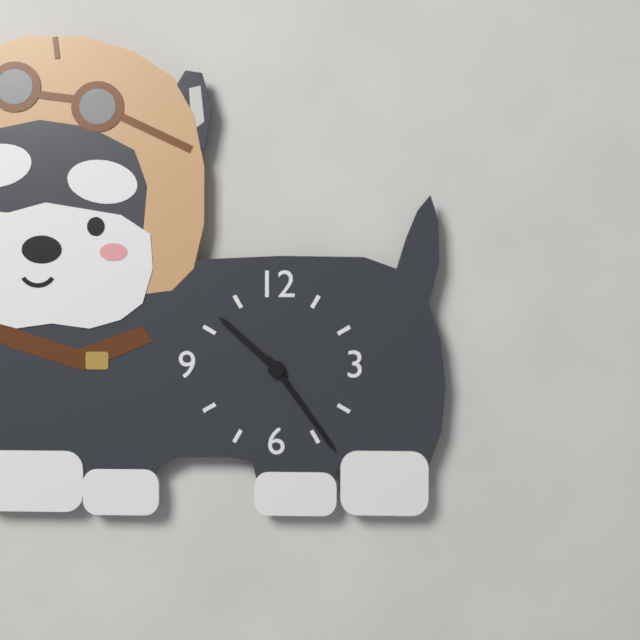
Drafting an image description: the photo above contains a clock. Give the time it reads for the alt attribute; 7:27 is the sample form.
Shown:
10:24
